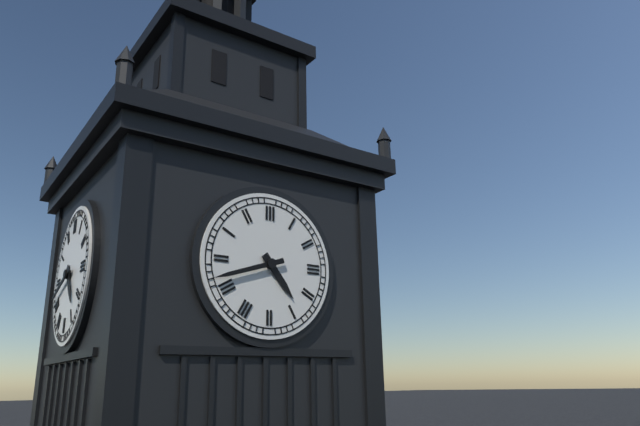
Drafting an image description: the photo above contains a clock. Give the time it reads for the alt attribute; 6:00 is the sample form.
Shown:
4:42
